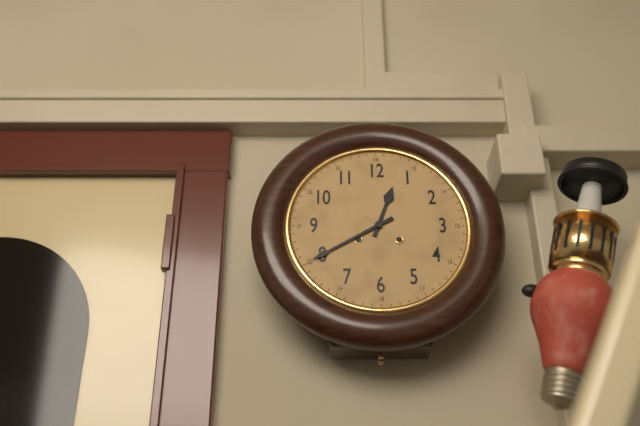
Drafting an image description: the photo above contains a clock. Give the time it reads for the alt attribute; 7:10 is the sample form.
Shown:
12:40
